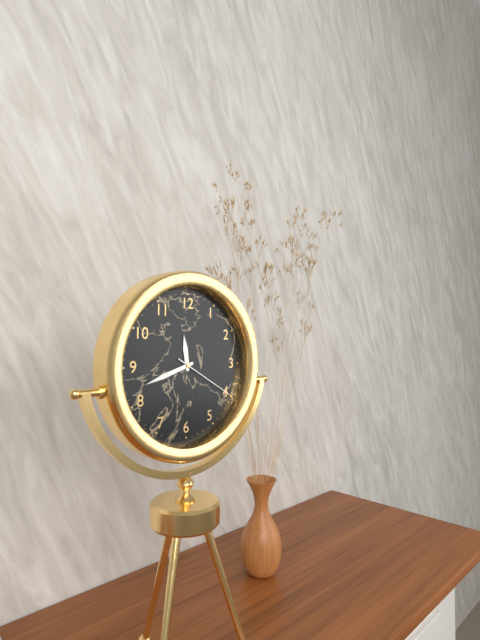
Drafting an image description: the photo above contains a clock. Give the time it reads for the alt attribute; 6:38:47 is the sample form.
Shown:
11:42:20
